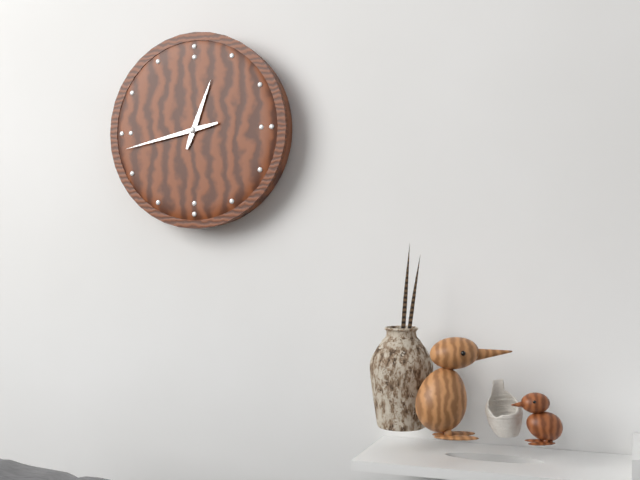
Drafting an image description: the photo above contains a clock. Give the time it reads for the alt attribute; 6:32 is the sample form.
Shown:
12:43
